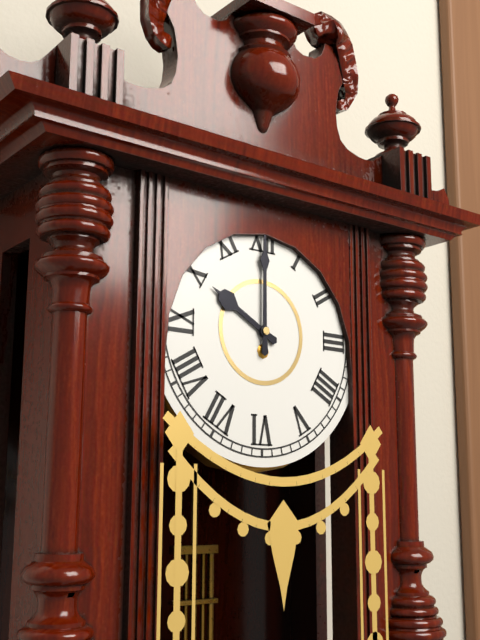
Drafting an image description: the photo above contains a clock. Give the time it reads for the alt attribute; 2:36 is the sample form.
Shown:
10:00
